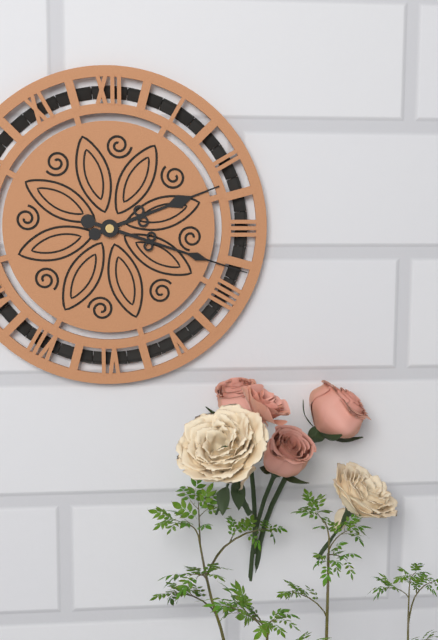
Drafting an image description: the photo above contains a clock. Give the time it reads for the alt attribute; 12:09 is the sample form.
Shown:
2:18
